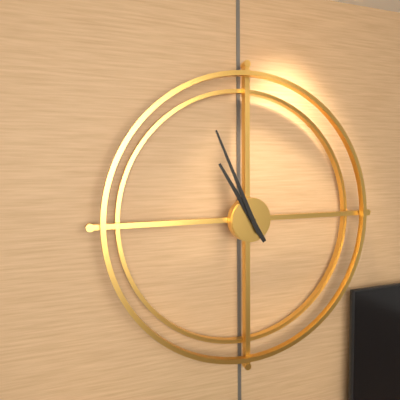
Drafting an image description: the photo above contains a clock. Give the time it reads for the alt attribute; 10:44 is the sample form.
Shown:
10:56
